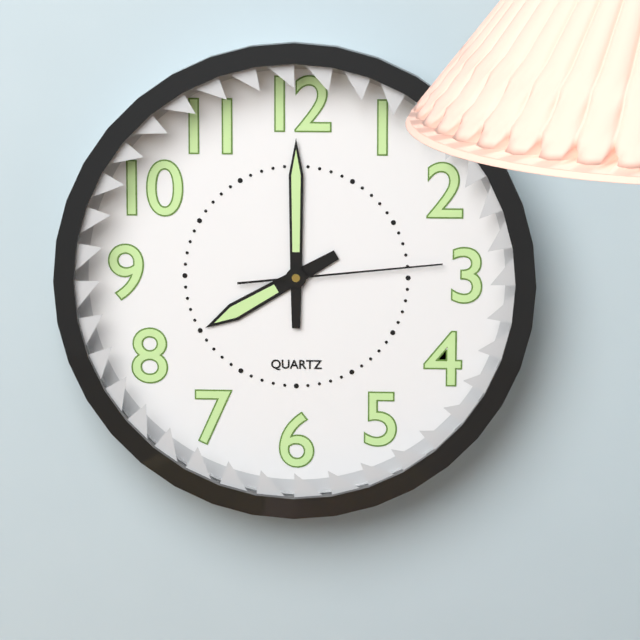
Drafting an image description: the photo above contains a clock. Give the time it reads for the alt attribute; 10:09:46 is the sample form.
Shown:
8:00:14
